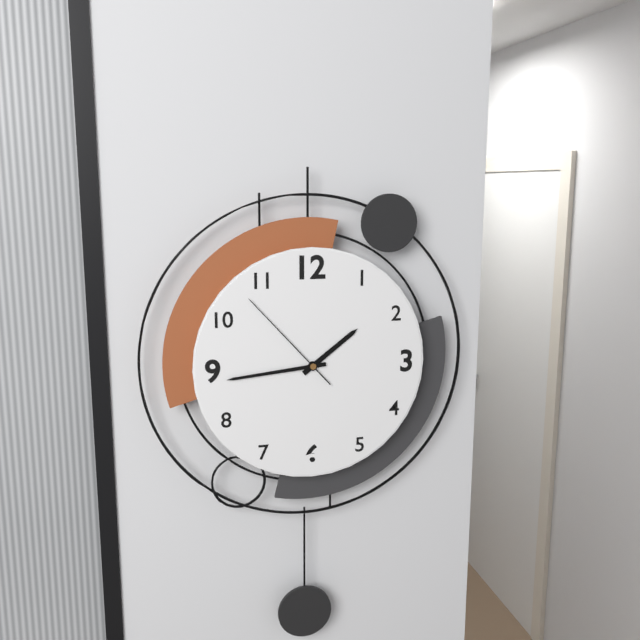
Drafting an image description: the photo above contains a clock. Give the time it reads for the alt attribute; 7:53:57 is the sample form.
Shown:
1:44:53
